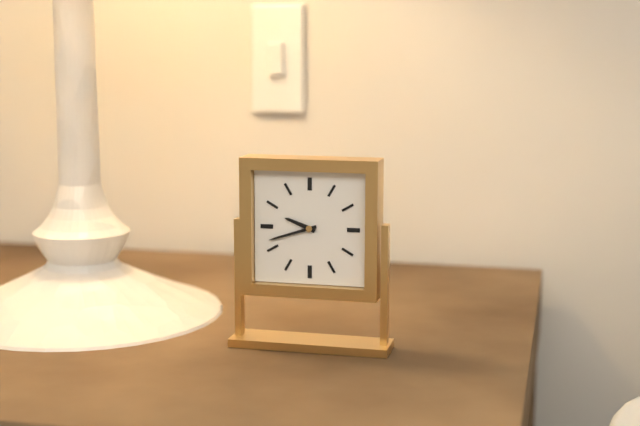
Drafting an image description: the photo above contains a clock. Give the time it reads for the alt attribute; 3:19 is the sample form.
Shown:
9:42
